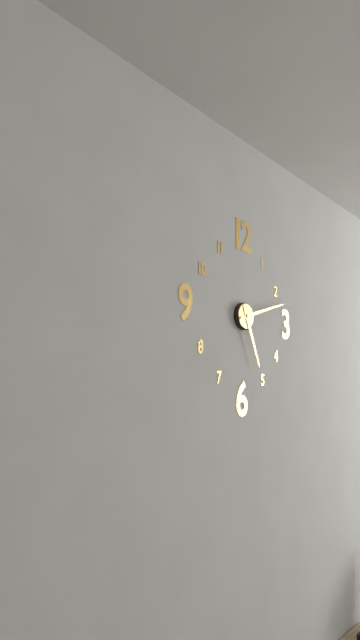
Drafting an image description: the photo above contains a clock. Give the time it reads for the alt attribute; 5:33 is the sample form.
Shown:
5:12
